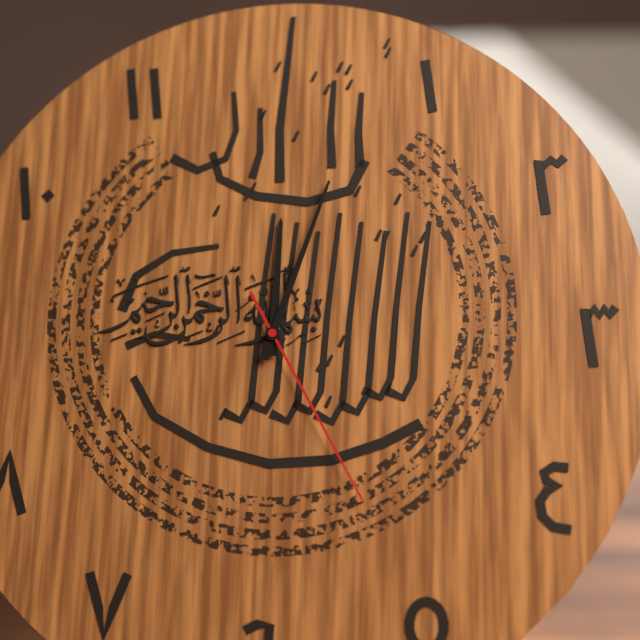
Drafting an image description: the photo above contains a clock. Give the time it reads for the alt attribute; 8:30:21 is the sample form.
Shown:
12:03:25
